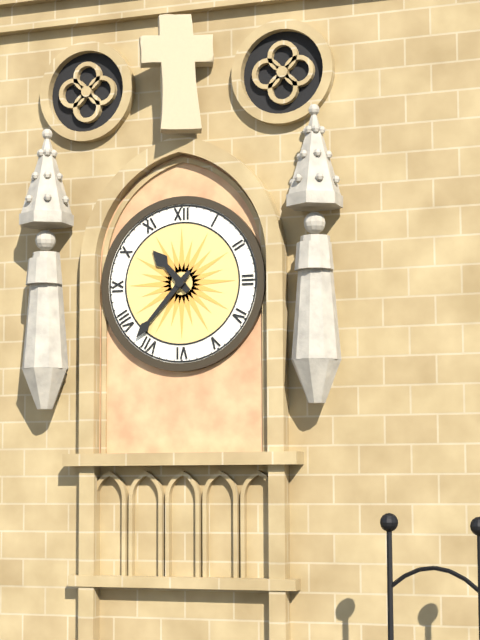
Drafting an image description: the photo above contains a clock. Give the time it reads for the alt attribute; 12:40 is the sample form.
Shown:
10:37
